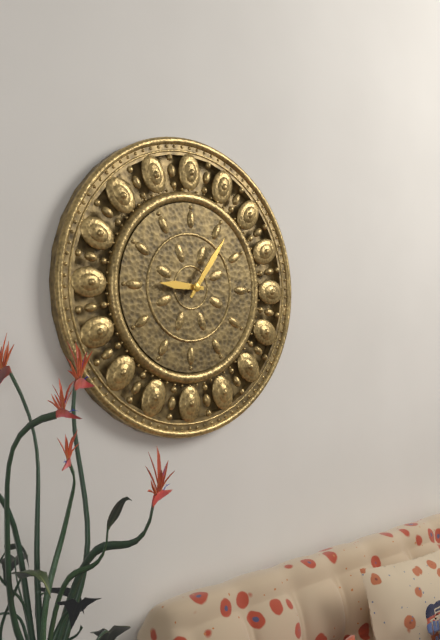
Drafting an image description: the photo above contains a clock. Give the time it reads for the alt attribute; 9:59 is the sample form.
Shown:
9:06
